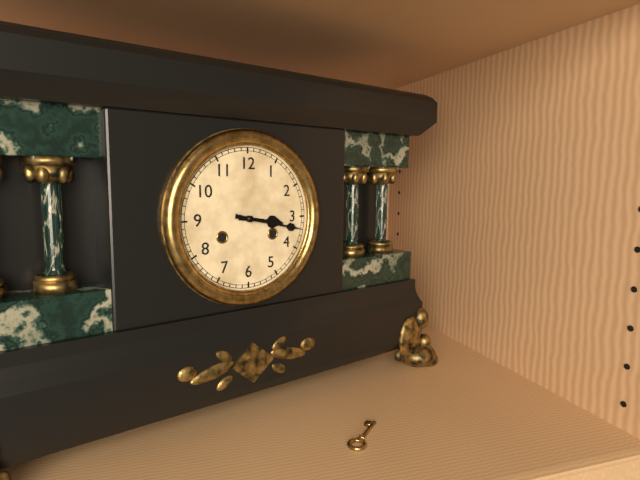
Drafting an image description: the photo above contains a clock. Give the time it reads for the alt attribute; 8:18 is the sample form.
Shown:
3:17
